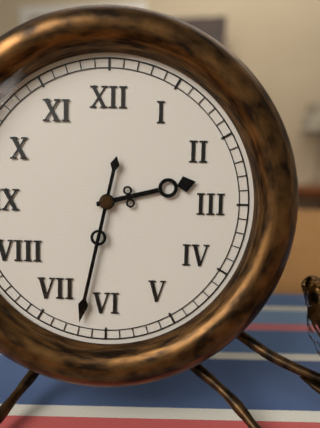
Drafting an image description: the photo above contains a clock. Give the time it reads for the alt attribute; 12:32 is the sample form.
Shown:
2:32
